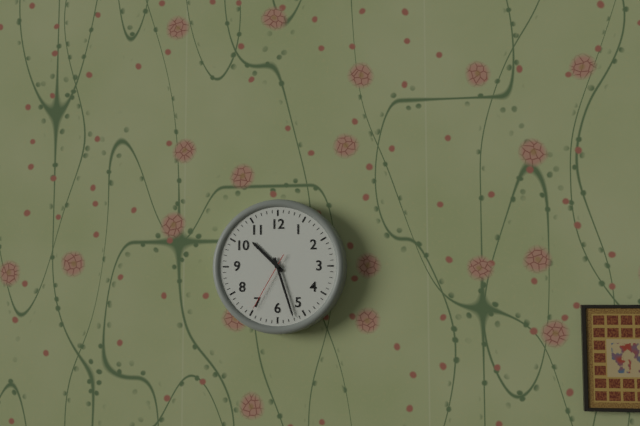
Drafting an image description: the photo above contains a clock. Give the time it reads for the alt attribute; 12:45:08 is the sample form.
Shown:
10:27:35
